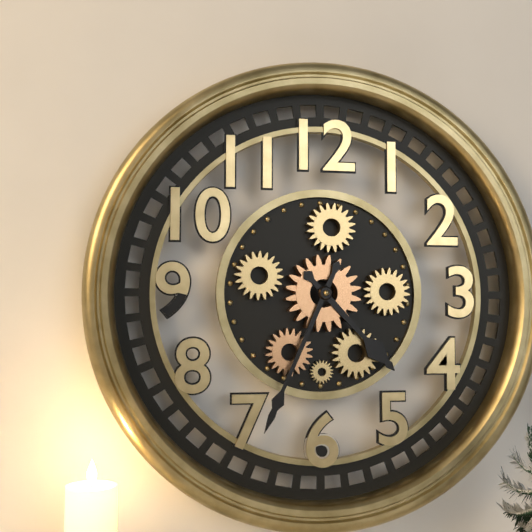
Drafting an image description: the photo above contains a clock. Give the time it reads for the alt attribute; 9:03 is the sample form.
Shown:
4:34
